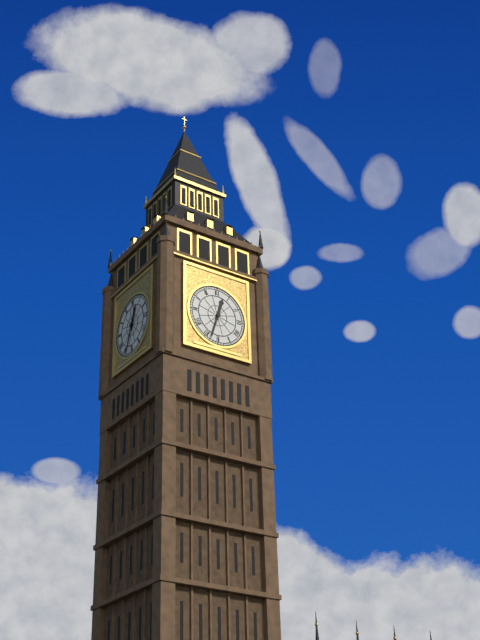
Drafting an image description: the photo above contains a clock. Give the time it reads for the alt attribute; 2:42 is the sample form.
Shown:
12:33
